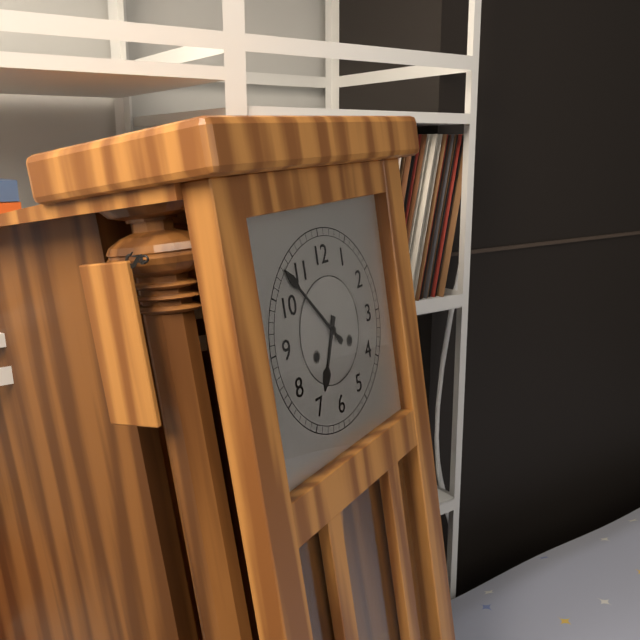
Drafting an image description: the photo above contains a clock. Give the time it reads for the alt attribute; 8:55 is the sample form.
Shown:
6:53
